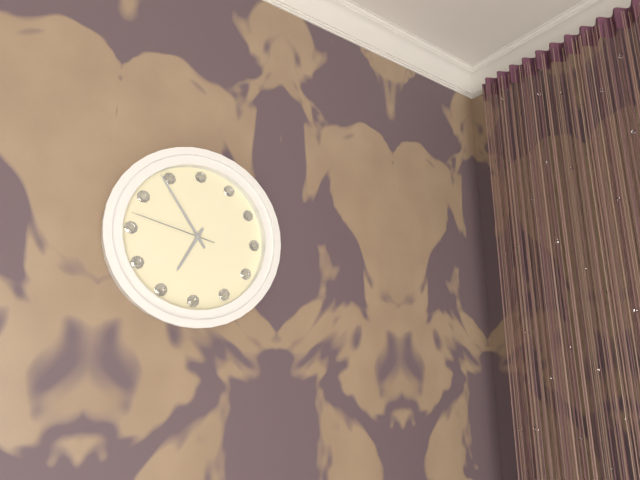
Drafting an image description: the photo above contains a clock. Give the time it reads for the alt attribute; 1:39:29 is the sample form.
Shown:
6:54:47
